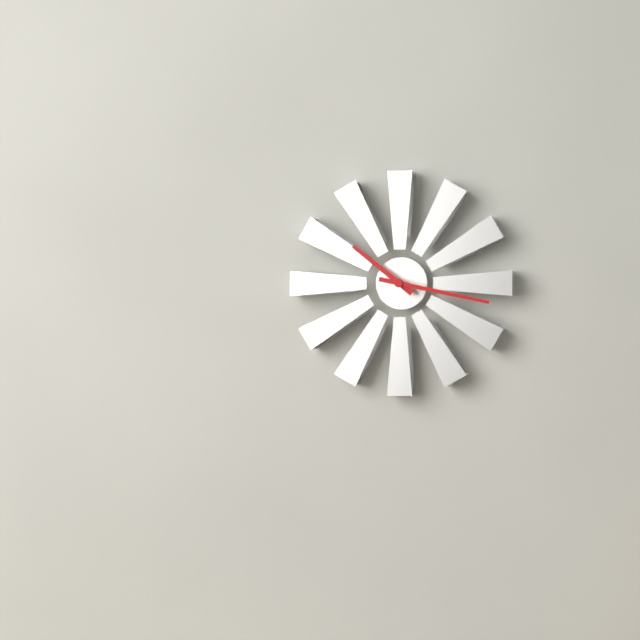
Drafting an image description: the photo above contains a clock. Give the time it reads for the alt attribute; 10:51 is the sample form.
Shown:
10:17
